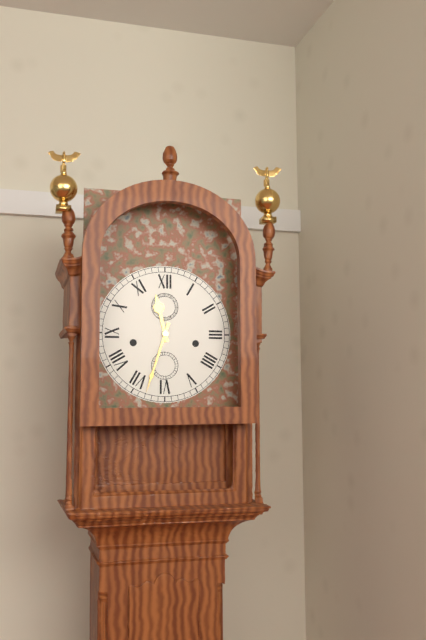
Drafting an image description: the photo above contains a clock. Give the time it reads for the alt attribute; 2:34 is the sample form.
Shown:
11:33
